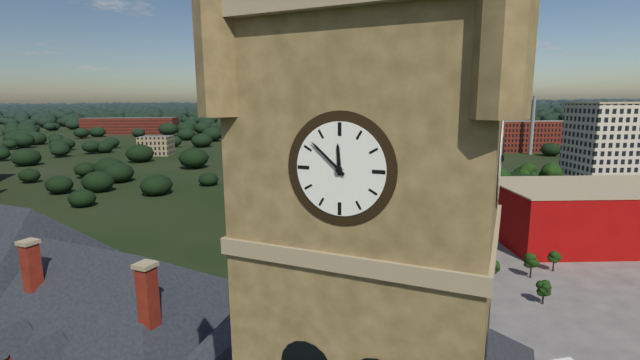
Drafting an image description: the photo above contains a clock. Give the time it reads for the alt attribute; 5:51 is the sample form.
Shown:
11:52
